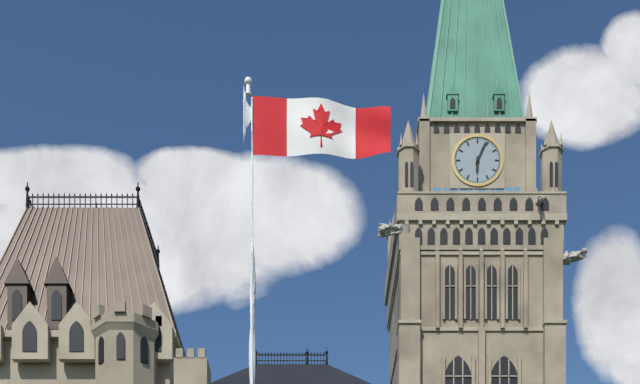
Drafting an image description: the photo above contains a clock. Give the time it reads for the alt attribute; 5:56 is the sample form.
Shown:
6:04
